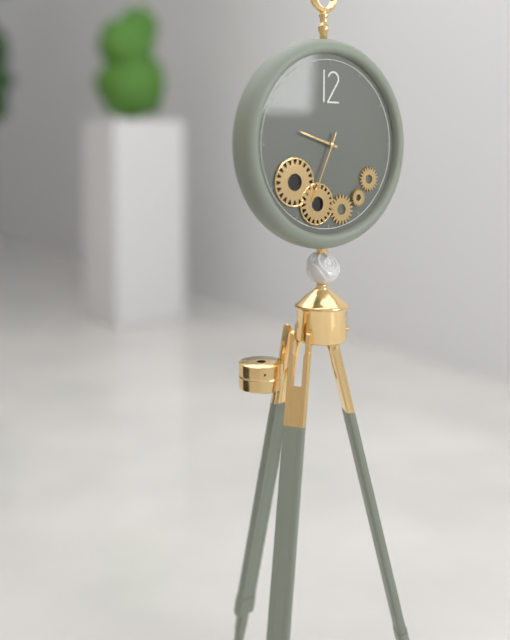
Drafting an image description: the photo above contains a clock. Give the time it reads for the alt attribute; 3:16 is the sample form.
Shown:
9:34
